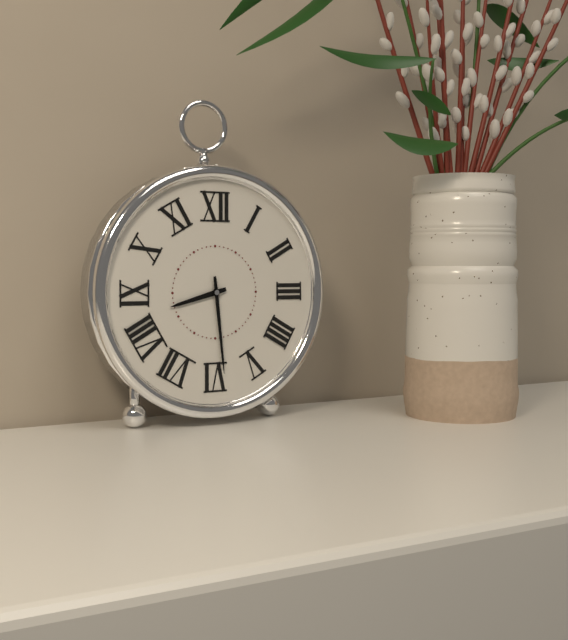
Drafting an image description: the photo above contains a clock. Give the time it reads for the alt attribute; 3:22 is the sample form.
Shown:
8:29
